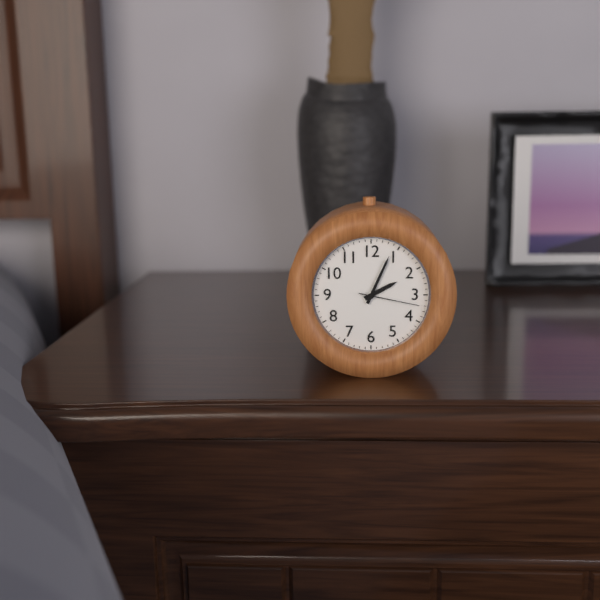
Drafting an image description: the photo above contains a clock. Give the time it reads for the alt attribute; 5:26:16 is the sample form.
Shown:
2:04:17
